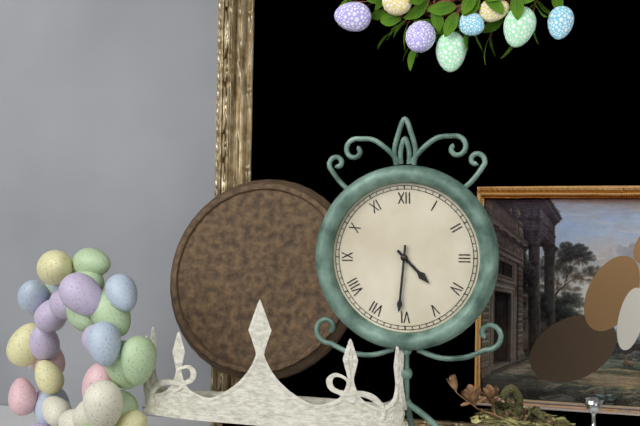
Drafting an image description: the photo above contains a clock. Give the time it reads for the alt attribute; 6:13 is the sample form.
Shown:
4:31
